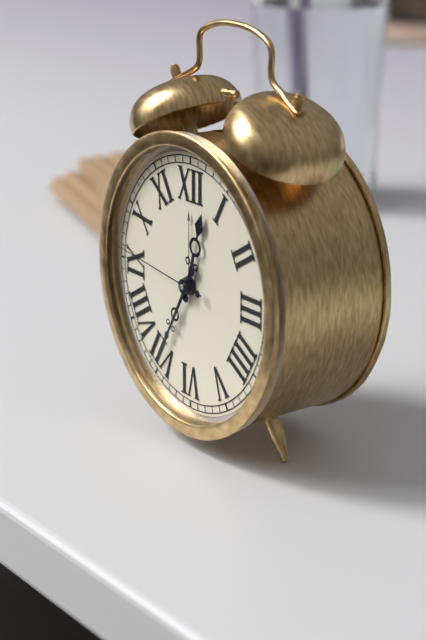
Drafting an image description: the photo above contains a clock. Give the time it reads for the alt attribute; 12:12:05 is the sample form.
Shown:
12:35:46
